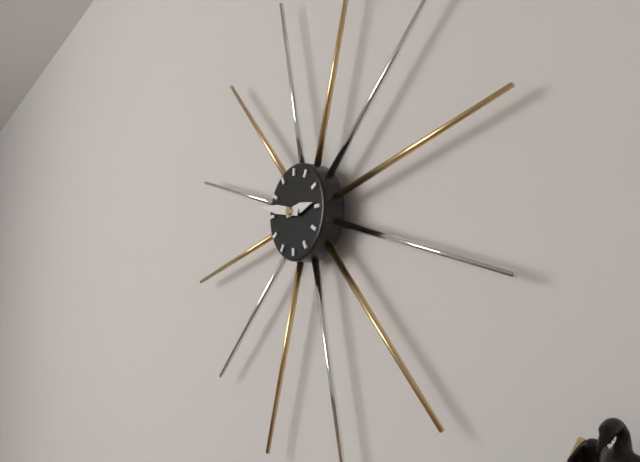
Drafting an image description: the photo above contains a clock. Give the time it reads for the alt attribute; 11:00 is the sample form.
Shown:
2:47
